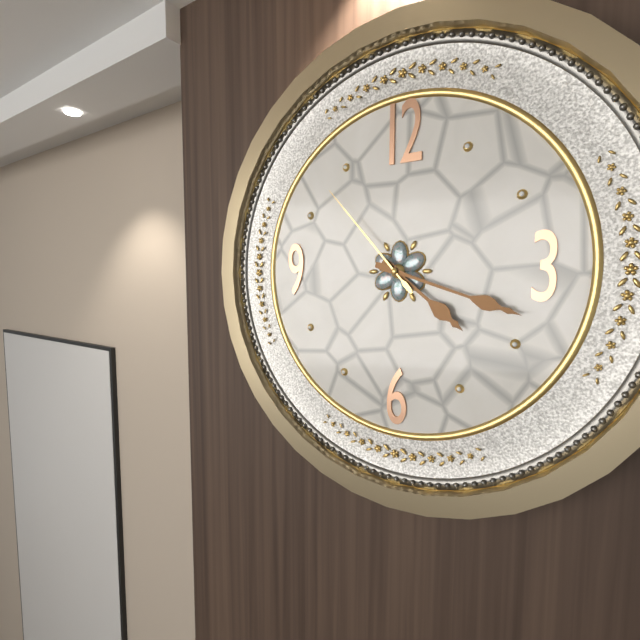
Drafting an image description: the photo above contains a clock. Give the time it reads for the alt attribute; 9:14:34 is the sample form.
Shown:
4:18:53
